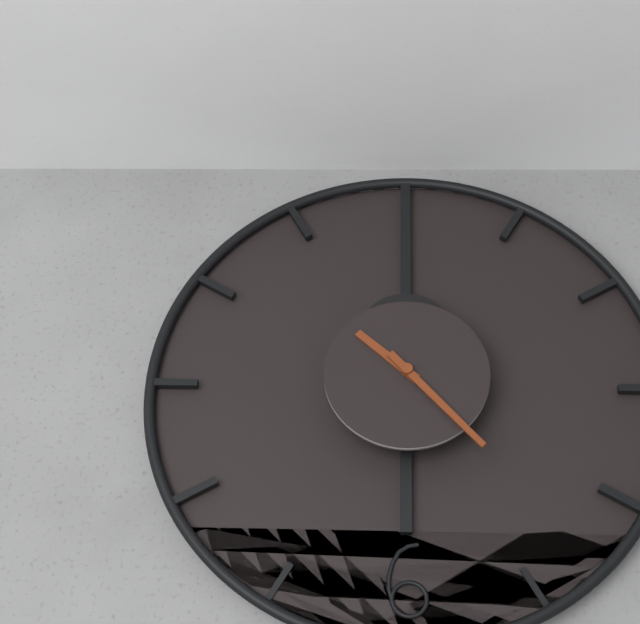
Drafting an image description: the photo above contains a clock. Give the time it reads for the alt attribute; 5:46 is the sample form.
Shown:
10:23
